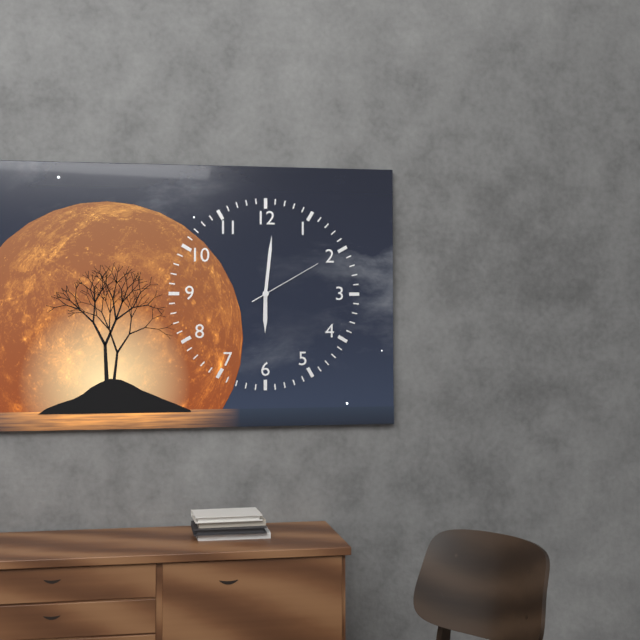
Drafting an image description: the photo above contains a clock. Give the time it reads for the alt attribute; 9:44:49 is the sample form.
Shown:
6:01:10
